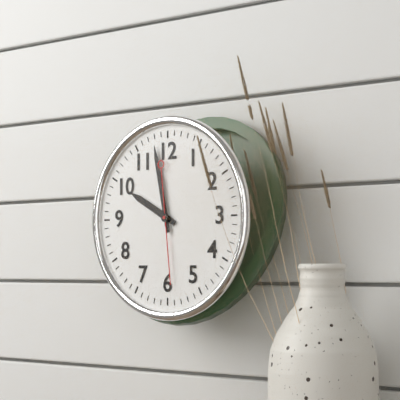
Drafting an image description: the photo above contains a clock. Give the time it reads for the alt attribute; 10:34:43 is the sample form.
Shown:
9:58:29
